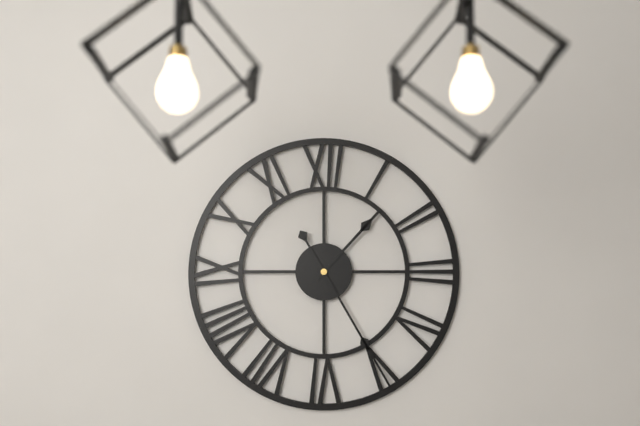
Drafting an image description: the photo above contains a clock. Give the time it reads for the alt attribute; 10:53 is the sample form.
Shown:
1:25
